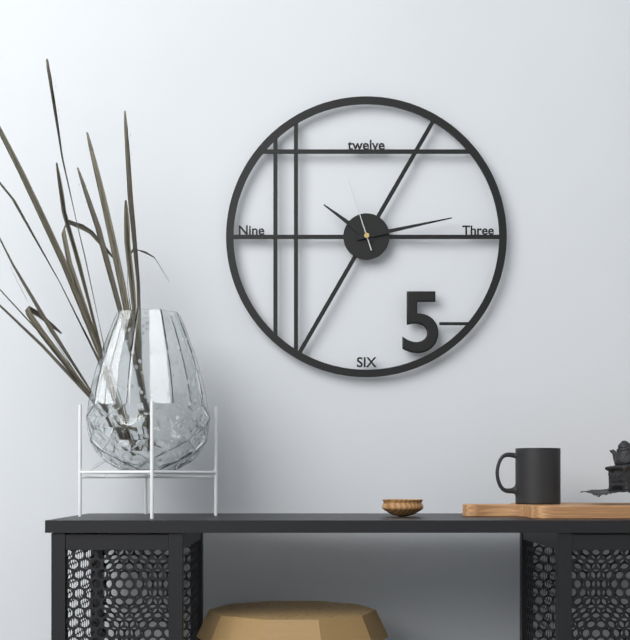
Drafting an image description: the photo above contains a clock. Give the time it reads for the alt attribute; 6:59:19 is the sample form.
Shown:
10:13:57
